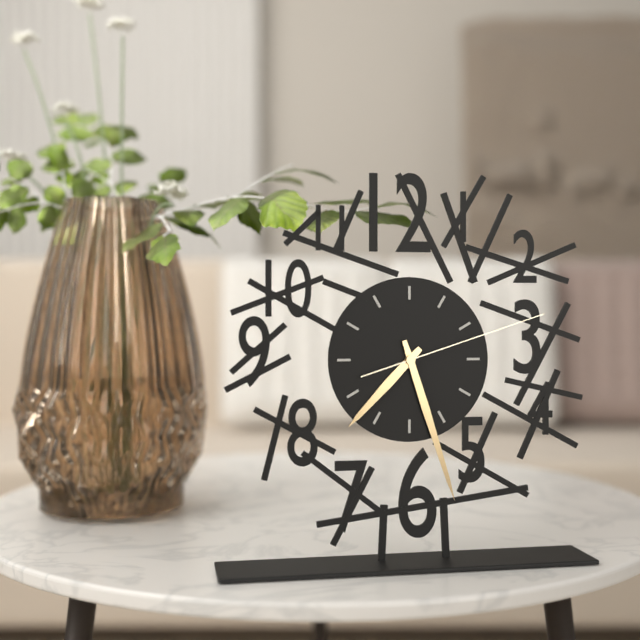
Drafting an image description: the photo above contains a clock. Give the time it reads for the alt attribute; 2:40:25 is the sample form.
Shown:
7:27:12
